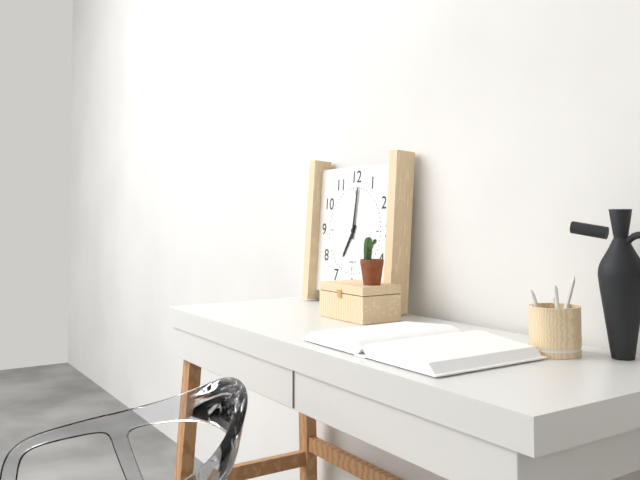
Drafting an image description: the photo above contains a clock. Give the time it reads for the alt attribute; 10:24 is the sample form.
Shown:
7:01
